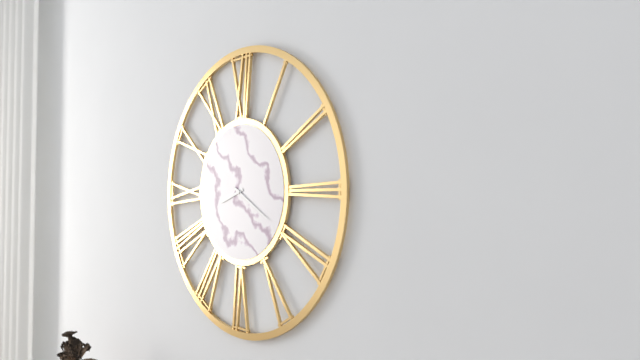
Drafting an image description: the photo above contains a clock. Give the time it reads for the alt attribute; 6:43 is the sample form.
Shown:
8:20
